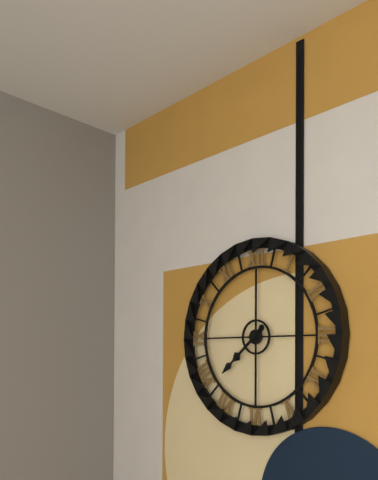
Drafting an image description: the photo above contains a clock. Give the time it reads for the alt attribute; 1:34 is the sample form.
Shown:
7:38
